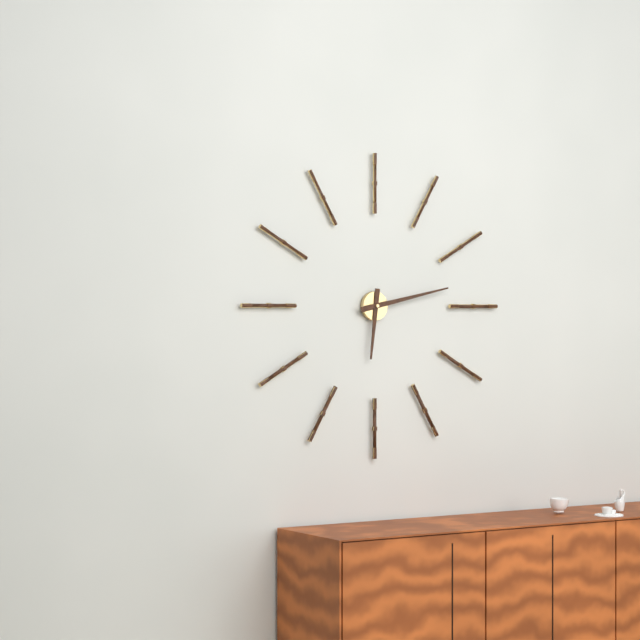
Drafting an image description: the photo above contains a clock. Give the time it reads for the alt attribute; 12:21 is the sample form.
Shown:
6:13
